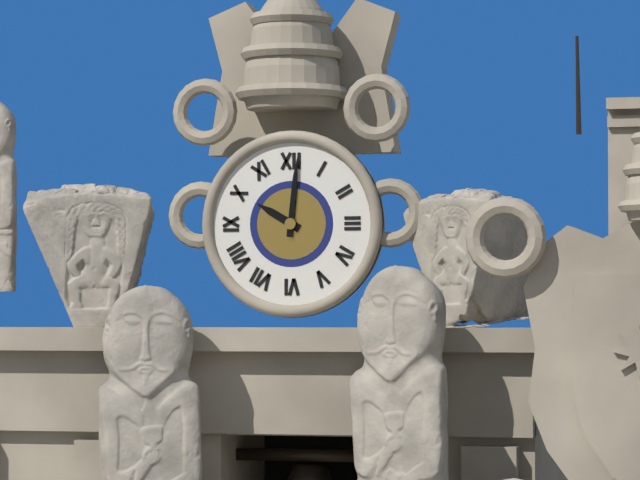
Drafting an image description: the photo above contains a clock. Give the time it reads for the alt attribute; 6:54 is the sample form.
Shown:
10:01
